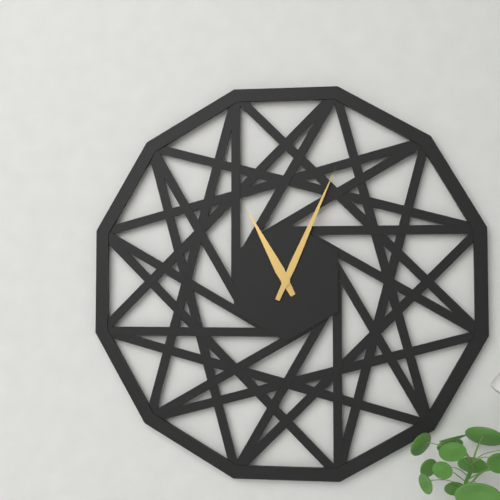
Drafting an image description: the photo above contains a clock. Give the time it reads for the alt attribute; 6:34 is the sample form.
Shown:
11:04
